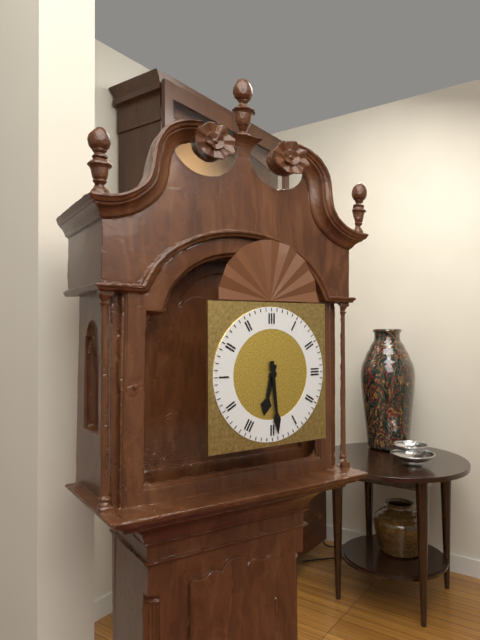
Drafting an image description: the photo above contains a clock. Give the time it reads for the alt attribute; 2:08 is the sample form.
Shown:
6:29
